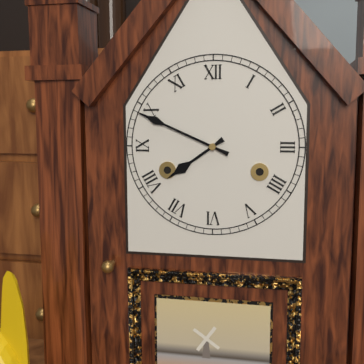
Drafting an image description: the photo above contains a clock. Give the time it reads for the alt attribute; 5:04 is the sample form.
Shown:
7:49
